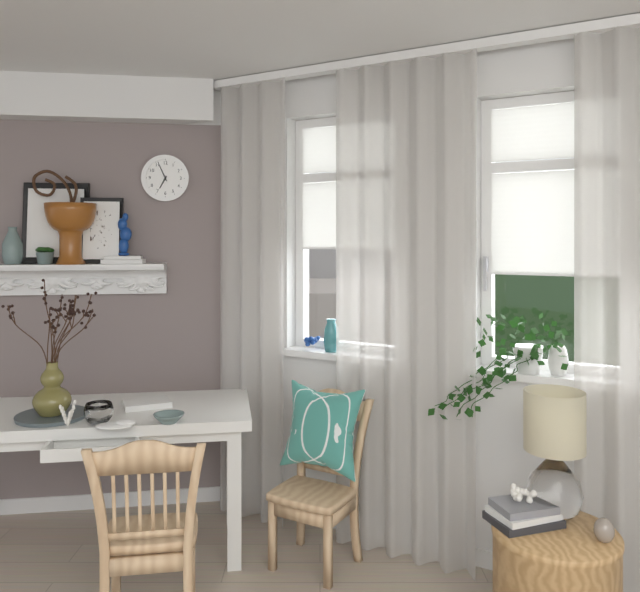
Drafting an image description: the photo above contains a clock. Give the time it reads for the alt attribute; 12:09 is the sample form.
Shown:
6:56
